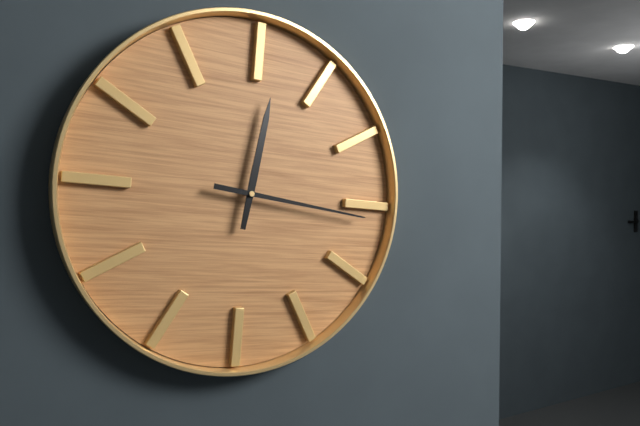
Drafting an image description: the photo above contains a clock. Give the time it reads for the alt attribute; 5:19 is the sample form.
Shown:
12:16
